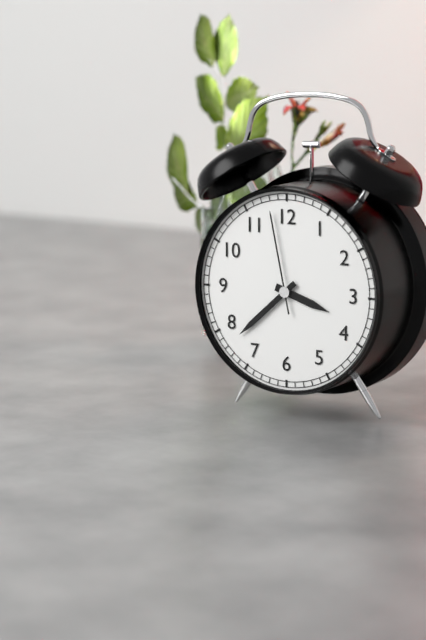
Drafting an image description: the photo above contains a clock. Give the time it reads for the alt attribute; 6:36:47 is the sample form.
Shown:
3:38:58
